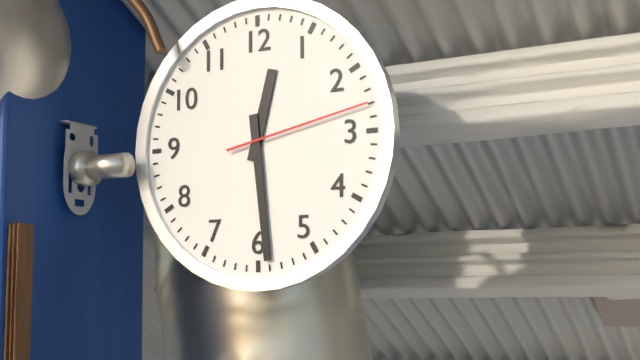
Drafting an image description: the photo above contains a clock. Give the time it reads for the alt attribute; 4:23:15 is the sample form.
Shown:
12:29:13
